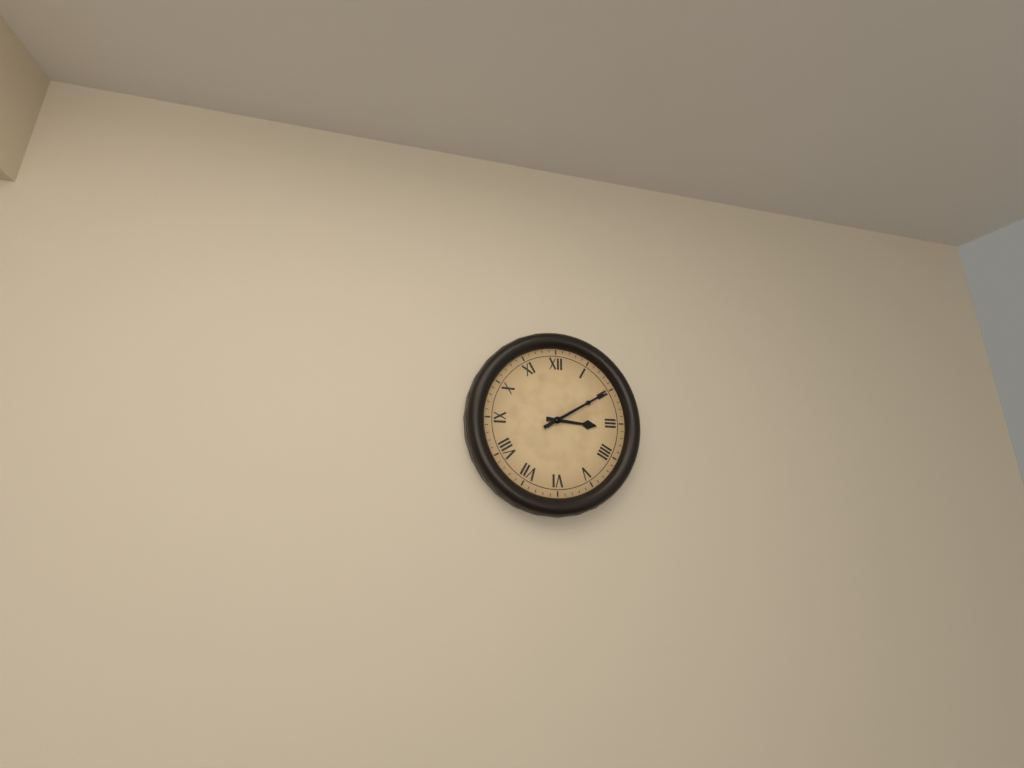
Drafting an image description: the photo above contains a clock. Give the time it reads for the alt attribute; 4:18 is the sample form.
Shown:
3:10
